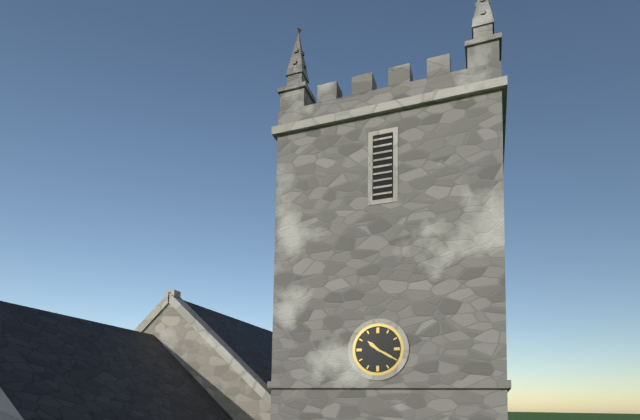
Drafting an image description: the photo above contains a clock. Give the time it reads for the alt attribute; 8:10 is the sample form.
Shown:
10:20
